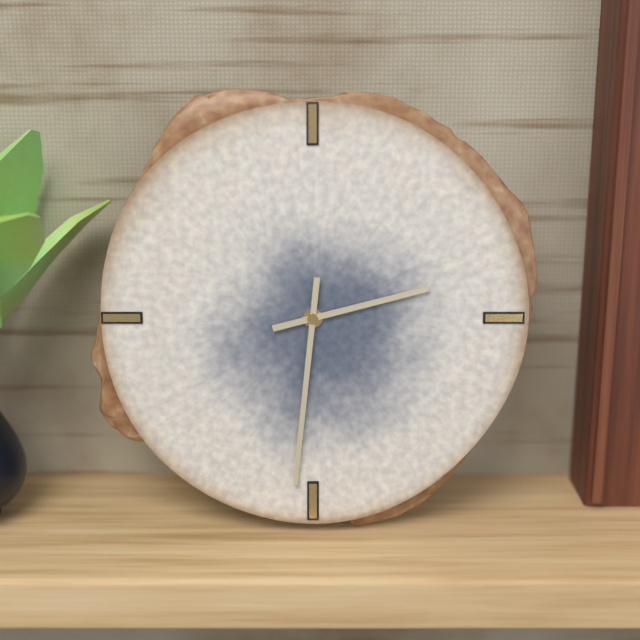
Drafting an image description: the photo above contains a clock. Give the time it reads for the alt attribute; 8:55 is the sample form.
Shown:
2:31
